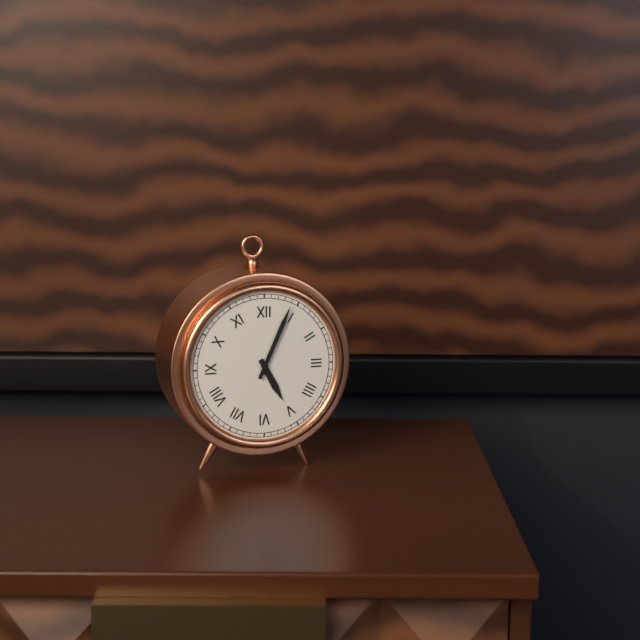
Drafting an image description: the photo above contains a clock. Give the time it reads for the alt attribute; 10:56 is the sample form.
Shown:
5:04
